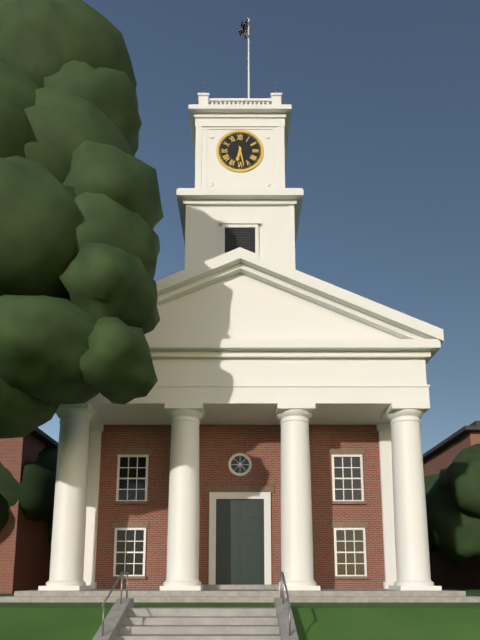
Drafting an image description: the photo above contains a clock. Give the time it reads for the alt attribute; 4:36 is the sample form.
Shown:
6:28
